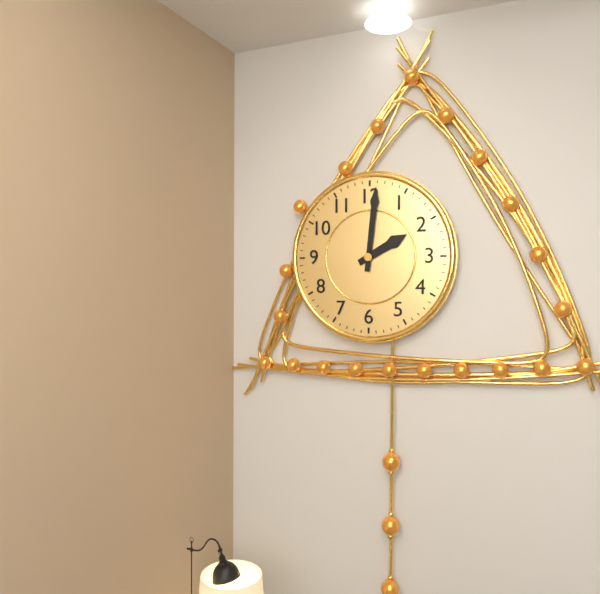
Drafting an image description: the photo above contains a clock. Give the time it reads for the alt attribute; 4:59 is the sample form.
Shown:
2:01
